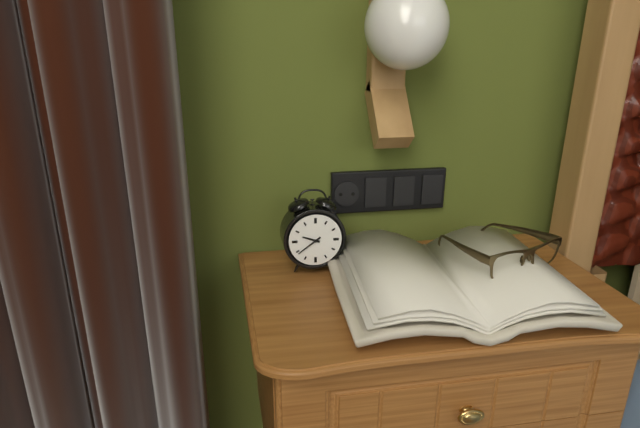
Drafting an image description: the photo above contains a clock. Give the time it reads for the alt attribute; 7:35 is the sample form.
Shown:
9:39
